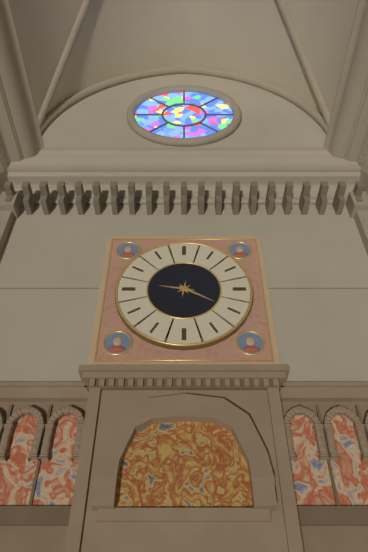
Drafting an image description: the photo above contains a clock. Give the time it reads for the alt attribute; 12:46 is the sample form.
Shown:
9:20
